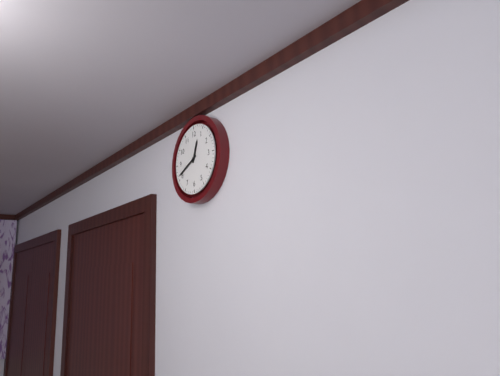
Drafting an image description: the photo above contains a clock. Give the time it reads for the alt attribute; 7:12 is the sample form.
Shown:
12:41
